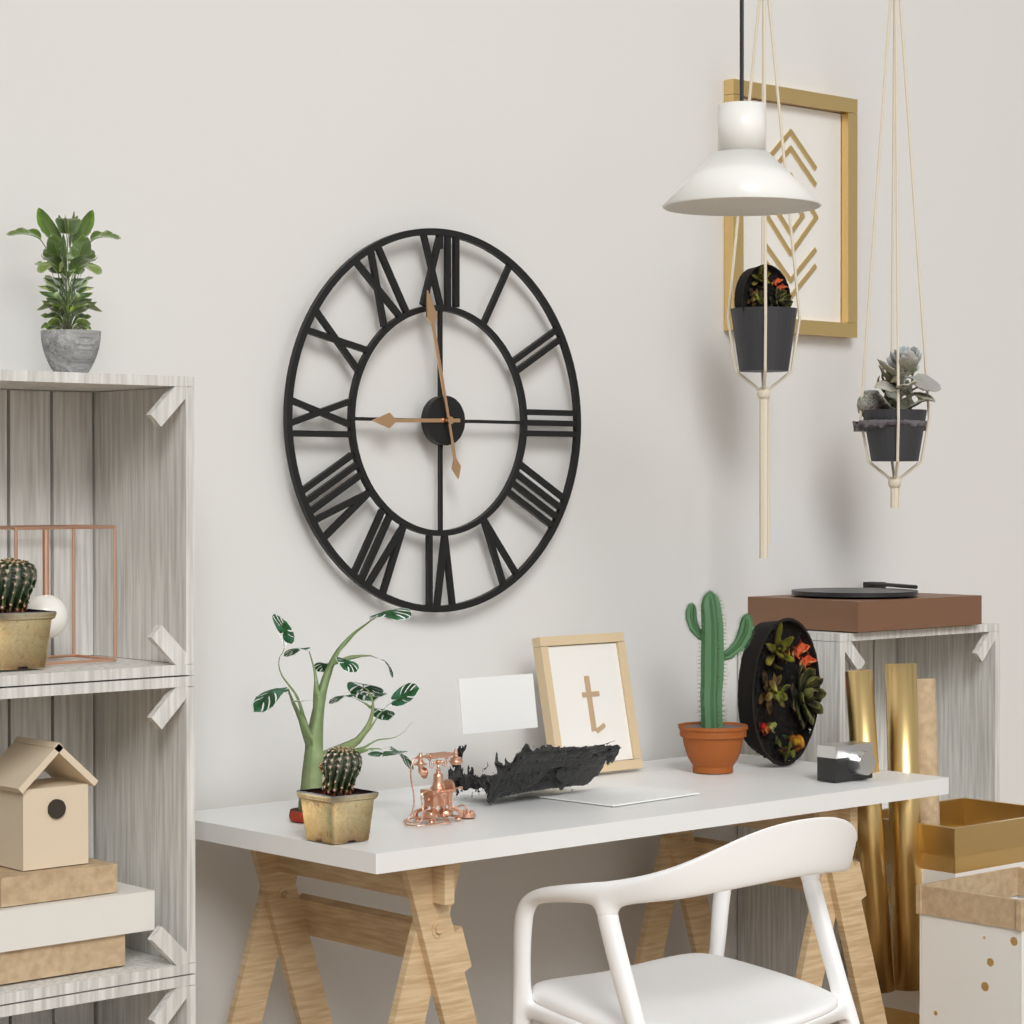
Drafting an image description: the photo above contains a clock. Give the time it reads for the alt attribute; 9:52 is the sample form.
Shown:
8:58
